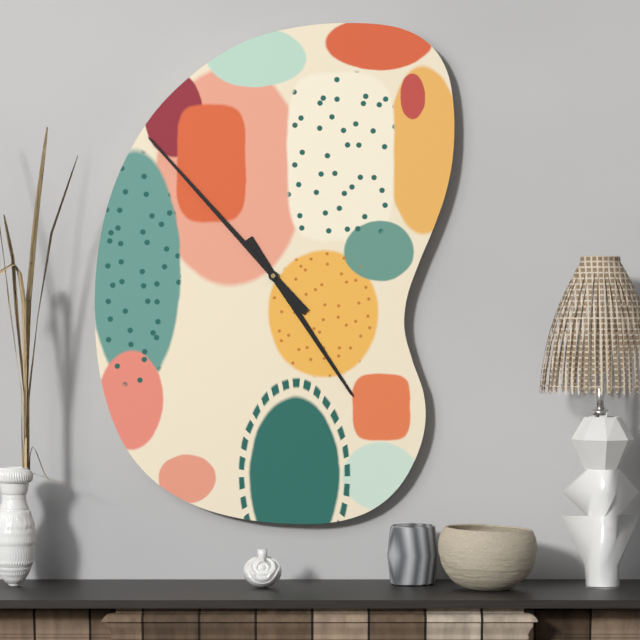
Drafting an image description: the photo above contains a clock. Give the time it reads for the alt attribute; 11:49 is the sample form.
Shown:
4:53
